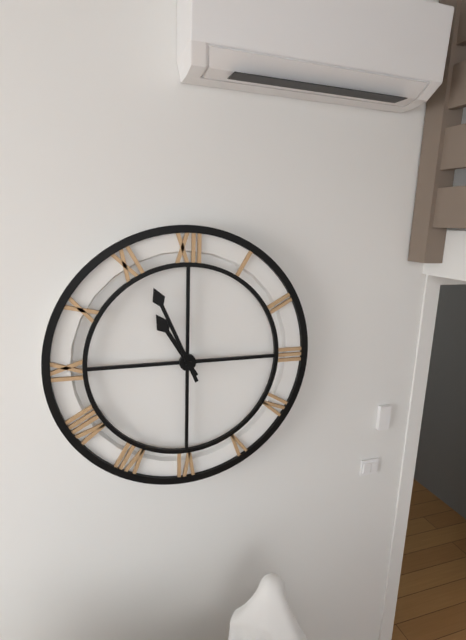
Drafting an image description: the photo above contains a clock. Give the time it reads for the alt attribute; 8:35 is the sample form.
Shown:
10:56
